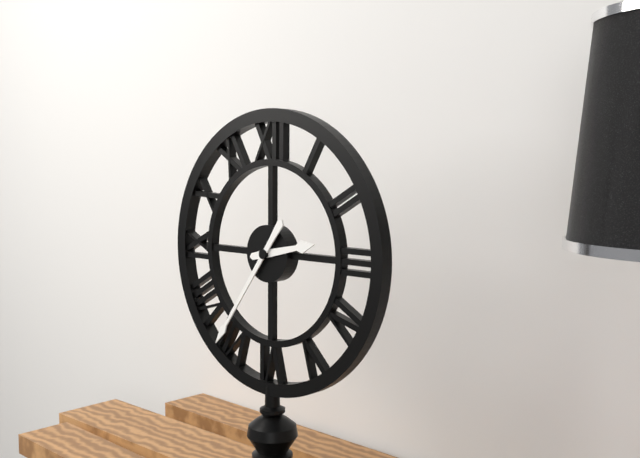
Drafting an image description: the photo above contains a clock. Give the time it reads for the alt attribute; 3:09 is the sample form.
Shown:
2:36
